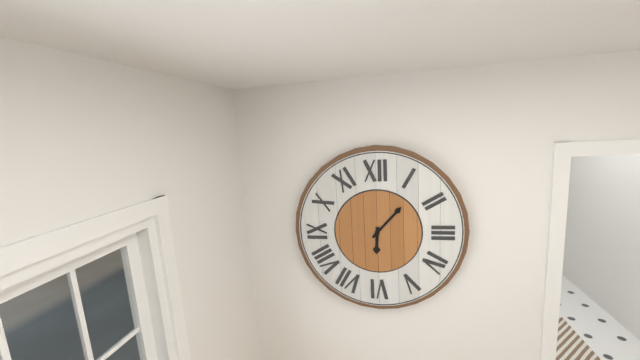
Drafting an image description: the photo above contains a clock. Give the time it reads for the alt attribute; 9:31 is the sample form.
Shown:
6:07
